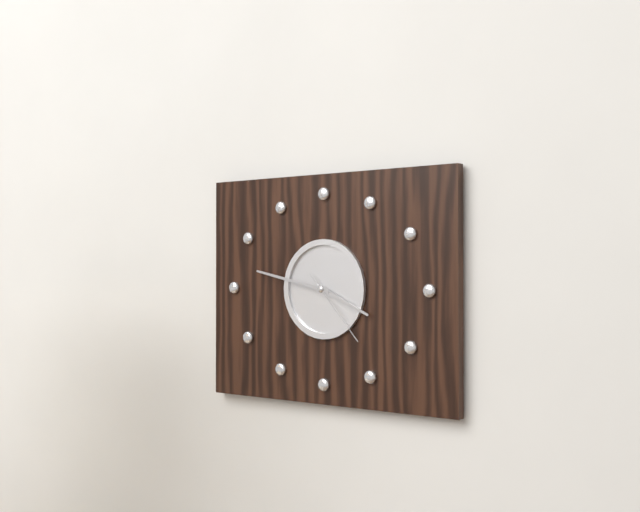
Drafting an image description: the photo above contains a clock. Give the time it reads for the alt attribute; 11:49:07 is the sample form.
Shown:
3:47:23
